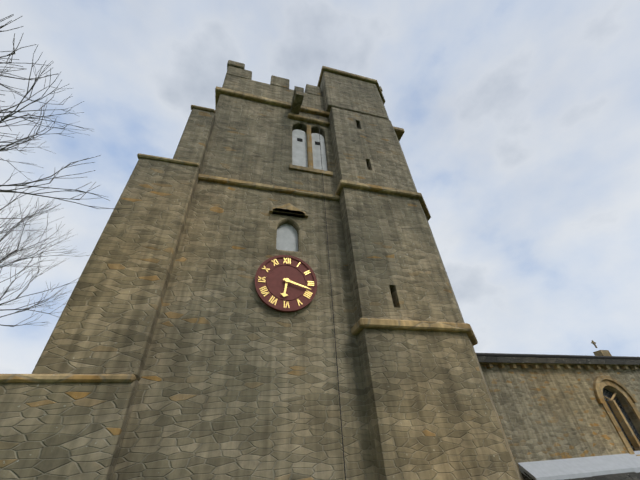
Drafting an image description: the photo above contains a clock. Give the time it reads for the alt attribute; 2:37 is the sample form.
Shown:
6:18
